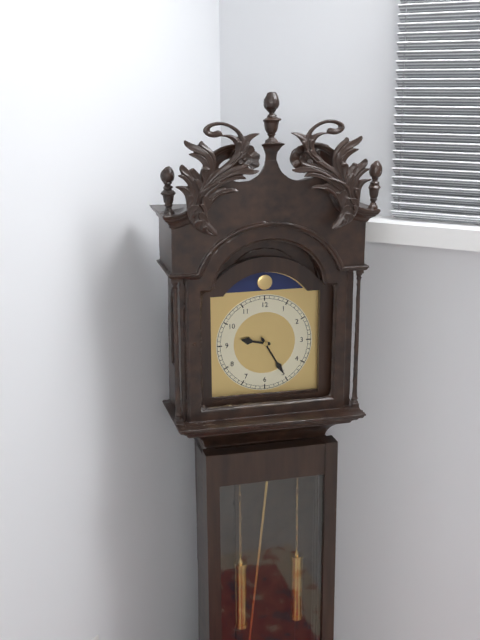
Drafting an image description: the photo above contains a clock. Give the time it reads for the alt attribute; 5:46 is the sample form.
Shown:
9:25
